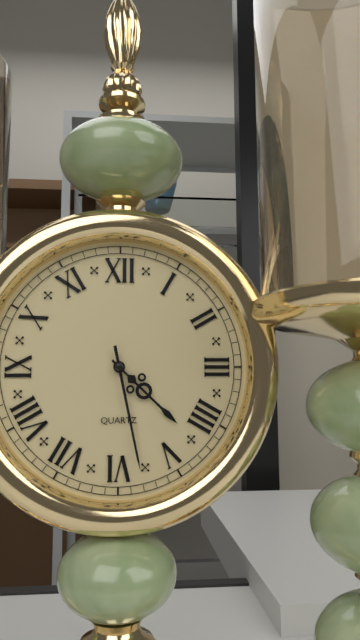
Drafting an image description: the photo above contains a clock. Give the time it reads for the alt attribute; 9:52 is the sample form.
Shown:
4:28
